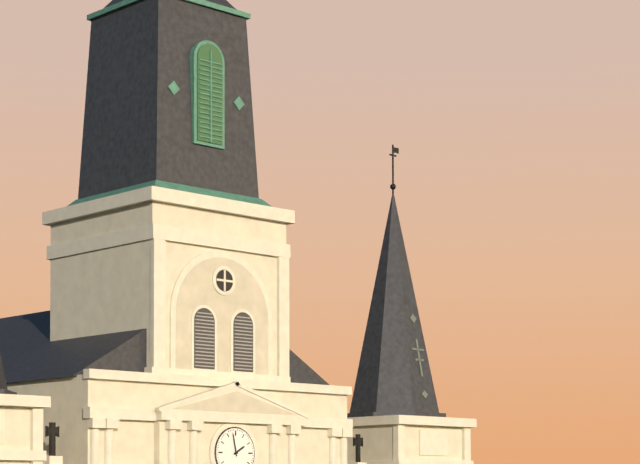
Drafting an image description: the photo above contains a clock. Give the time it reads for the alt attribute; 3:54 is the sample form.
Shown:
1:58
